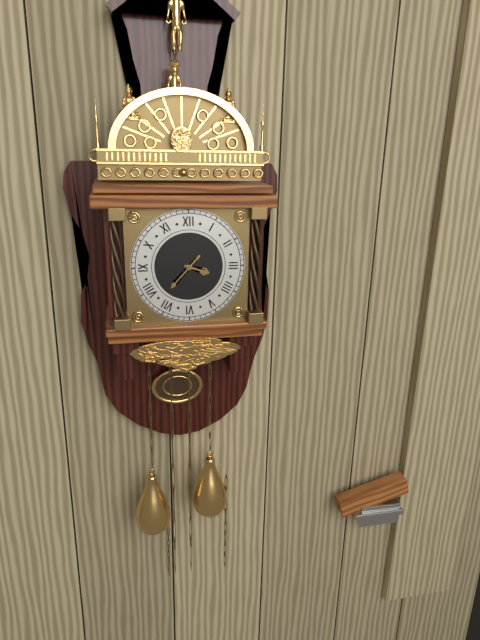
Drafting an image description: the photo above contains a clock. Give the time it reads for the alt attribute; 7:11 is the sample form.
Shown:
3:37
